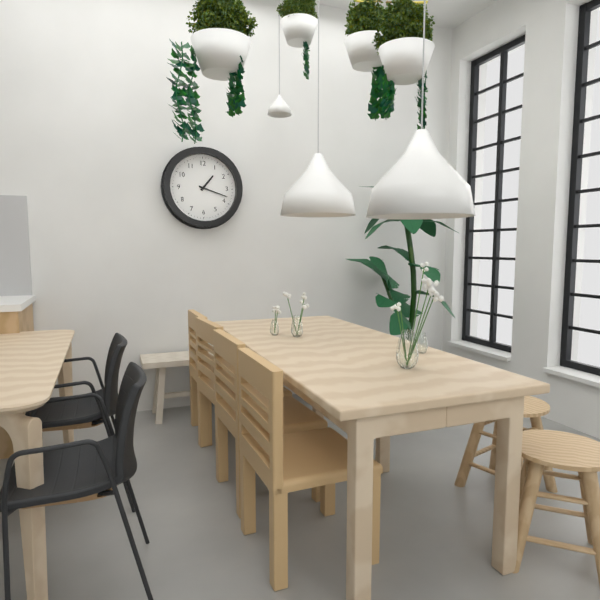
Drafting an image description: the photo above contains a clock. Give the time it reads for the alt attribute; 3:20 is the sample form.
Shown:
1:18
